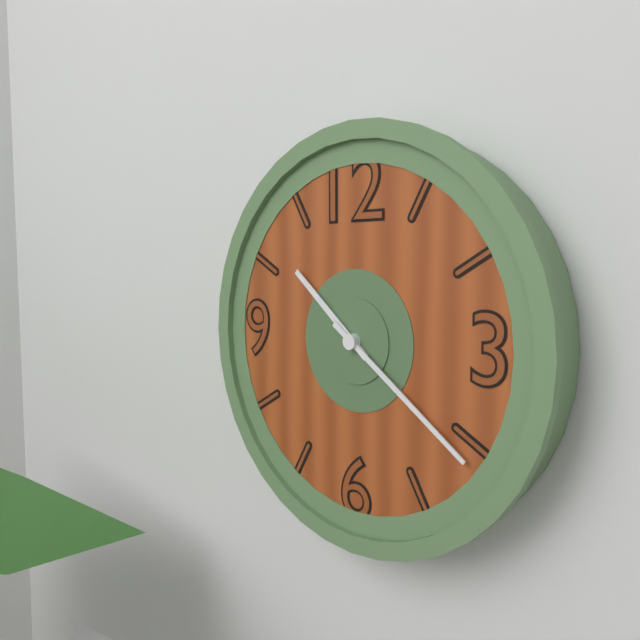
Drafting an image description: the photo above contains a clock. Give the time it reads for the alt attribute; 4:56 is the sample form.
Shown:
10:21
